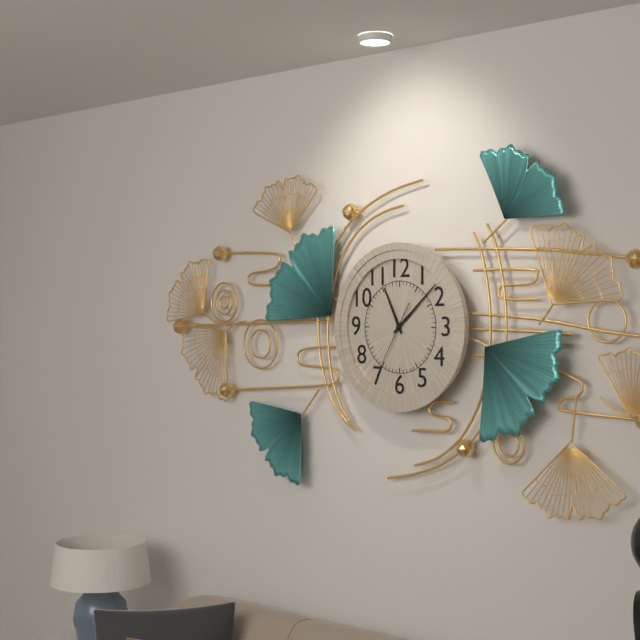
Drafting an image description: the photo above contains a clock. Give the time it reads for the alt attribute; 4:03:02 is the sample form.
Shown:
11:08:35
